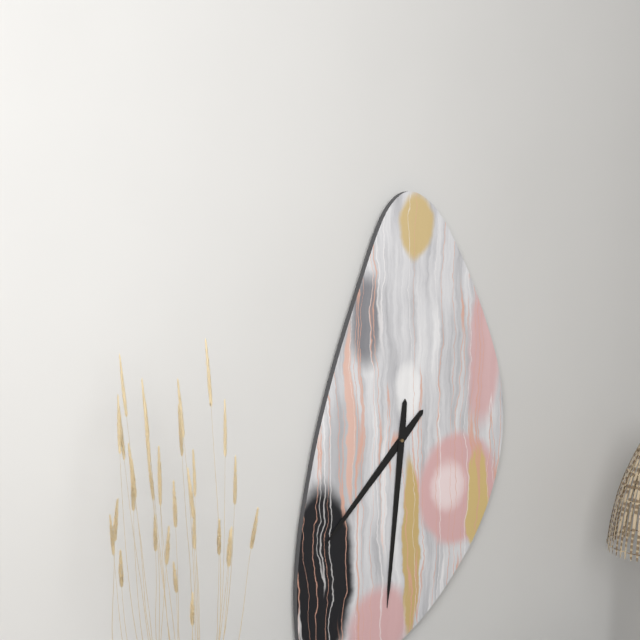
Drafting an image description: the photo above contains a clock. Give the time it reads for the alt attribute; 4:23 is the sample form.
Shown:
7:31
